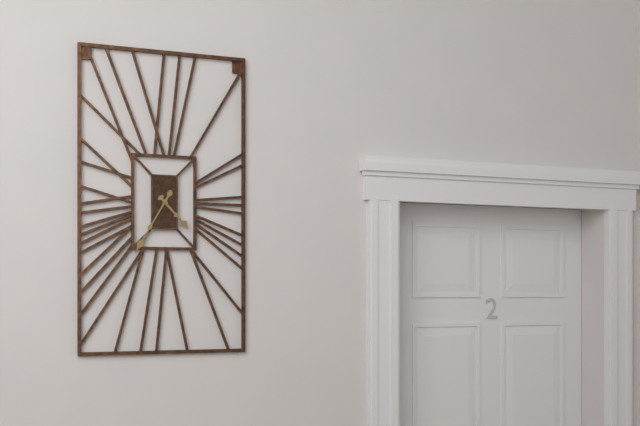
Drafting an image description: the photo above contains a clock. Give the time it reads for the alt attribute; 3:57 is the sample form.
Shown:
4:35
